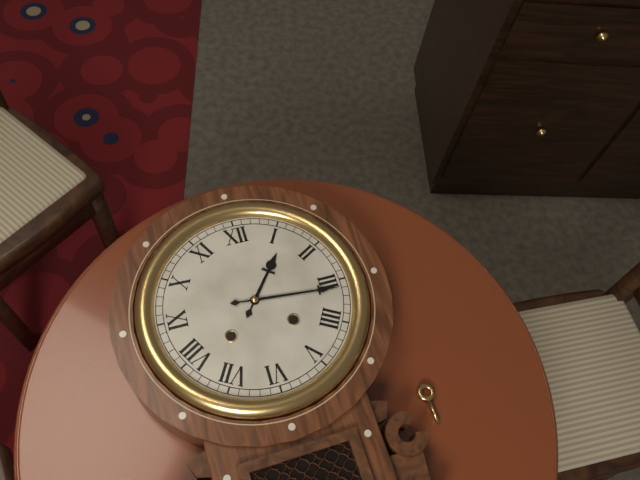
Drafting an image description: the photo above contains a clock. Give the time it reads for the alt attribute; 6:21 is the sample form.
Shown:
1:16
